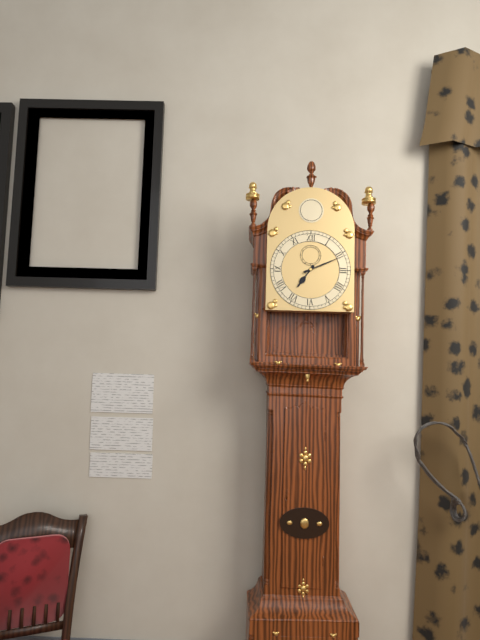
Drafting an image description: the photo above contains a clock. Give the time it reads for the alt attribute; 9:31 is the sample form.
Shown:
7:11
